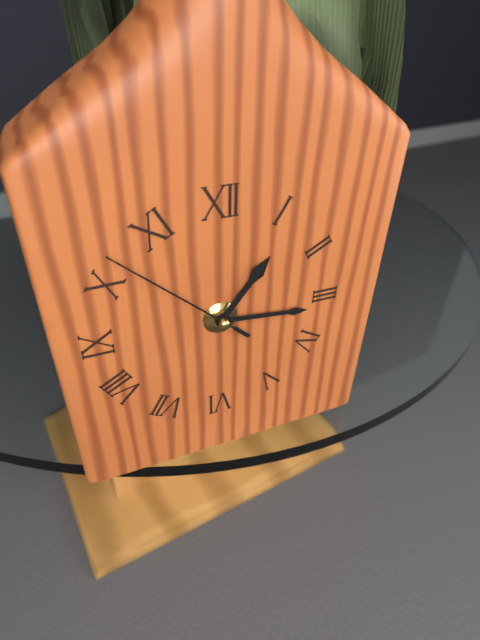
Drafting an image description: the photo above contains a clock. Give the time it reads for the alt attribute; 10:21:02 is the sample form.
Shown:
1:16:52
